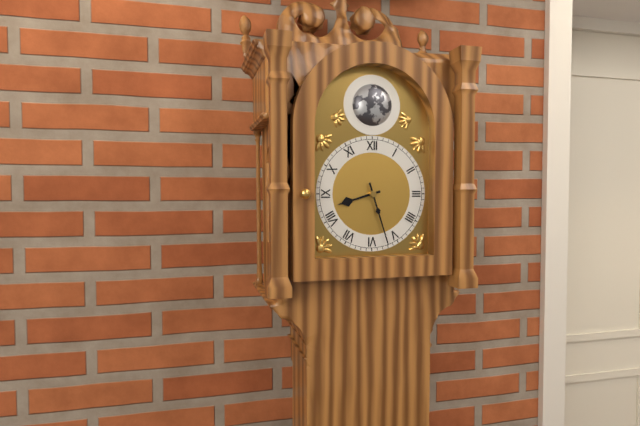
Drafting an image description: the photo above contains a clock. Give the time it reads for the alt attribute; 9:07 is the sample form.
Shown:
8:27
